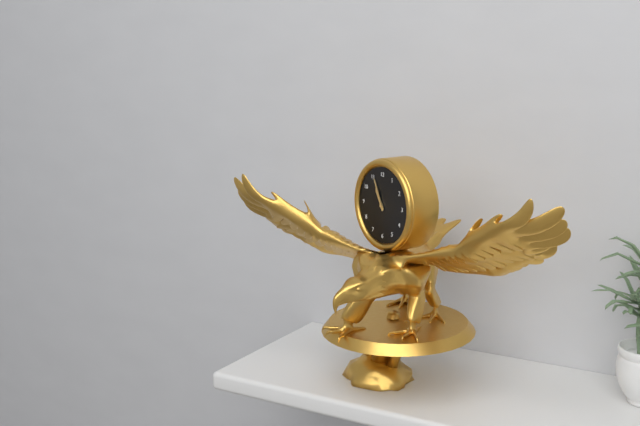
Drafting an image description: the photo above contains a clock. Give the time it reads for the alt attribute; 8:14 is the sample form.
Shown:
10:56
